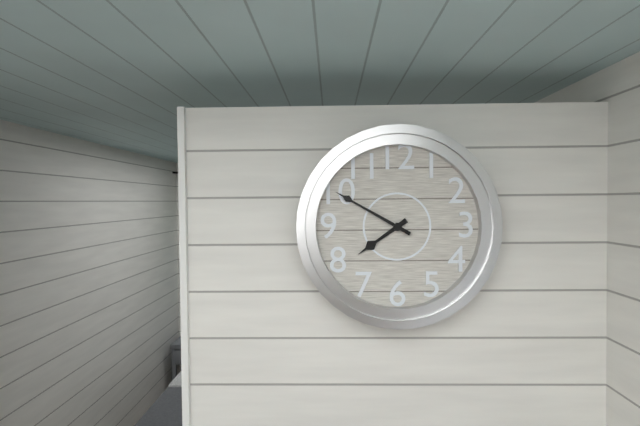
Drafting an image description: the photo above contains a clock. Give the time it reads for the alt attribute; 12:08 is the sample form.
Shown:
7:50
